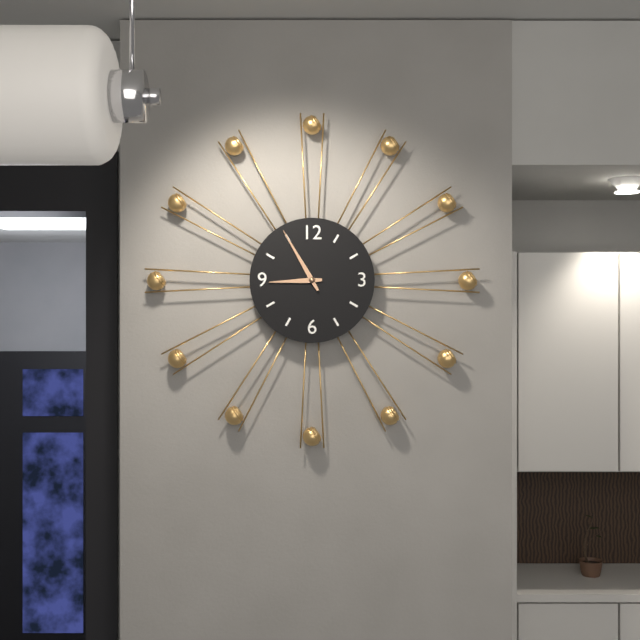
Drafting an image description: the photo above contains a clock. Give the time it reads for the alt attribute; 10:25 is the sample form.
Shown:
8:55
